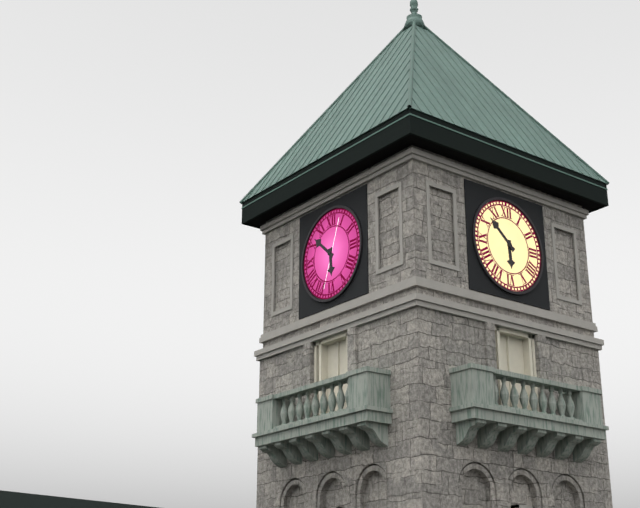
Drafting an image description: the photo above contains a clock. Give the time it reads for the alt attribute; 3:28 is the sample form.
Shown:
5:52
